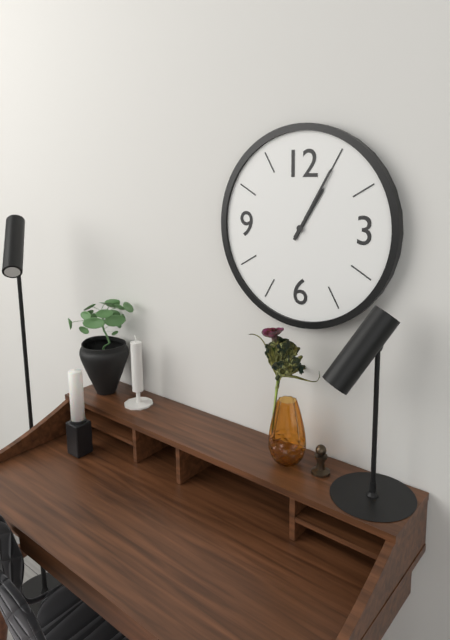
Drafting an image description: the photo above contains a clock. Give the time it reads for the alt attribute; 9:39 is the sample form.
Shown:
1:05
